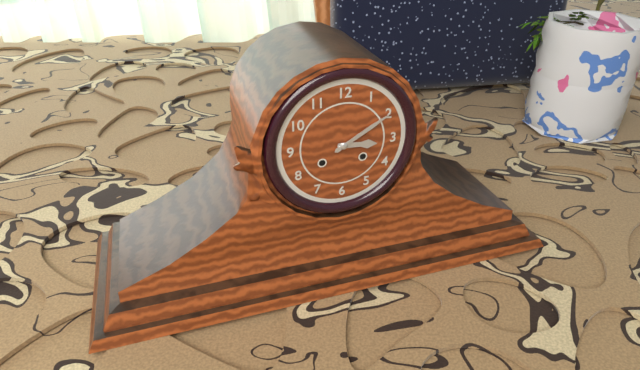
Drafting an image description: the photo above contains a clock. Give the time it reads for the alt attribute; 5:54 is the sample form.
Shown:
3:10
